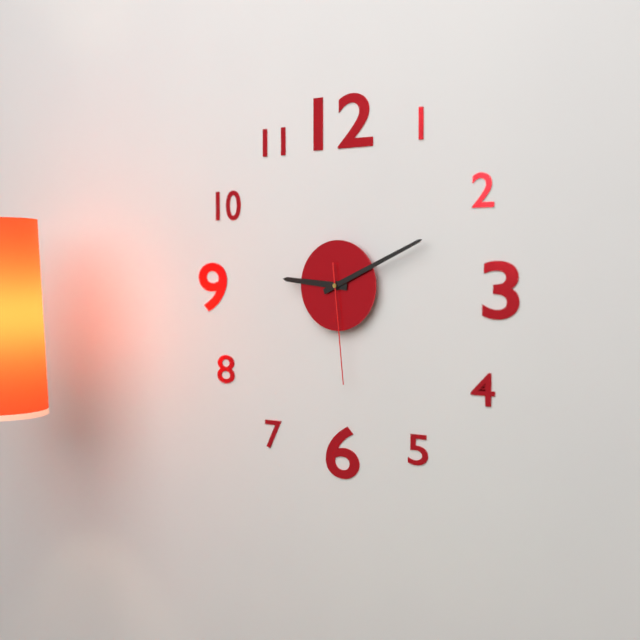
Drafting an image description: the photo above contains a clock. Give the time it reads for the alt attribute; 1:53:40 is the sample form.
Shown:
9:11:29
